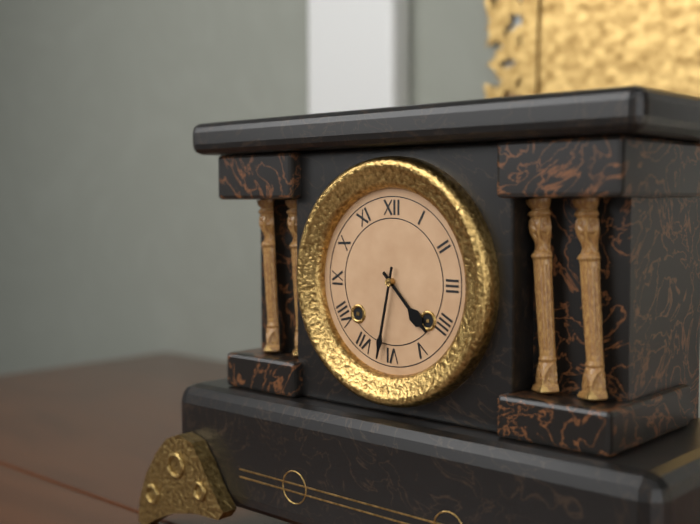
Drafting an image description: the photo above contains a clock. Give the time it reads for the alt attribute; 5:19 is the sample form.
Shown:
4:32
